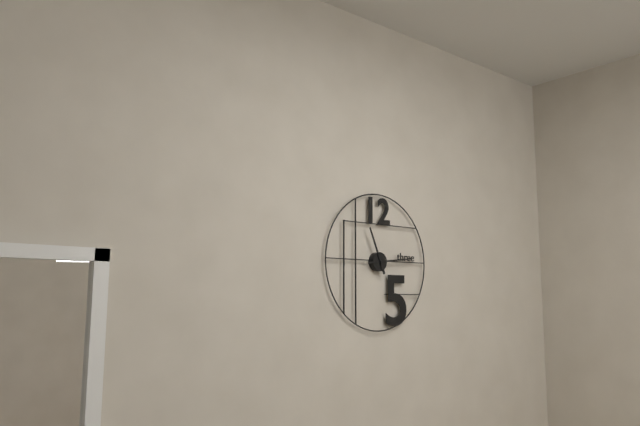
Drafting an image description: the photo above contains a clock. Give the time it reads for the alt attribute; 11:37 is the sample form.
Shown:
11:14
